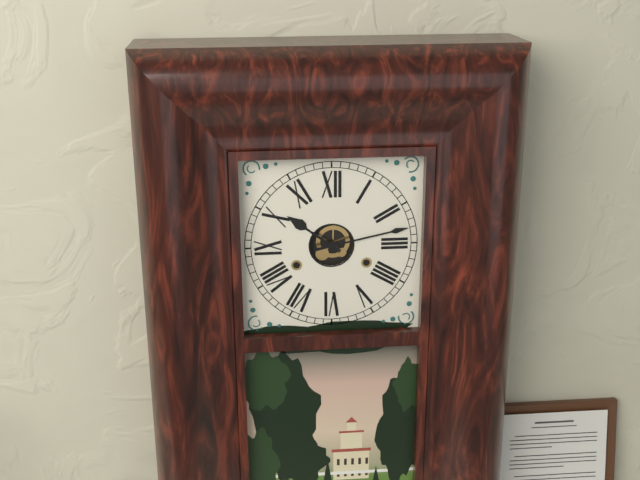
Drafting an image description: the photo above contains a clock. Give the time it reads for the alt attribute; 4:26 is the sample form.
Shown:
10:13
